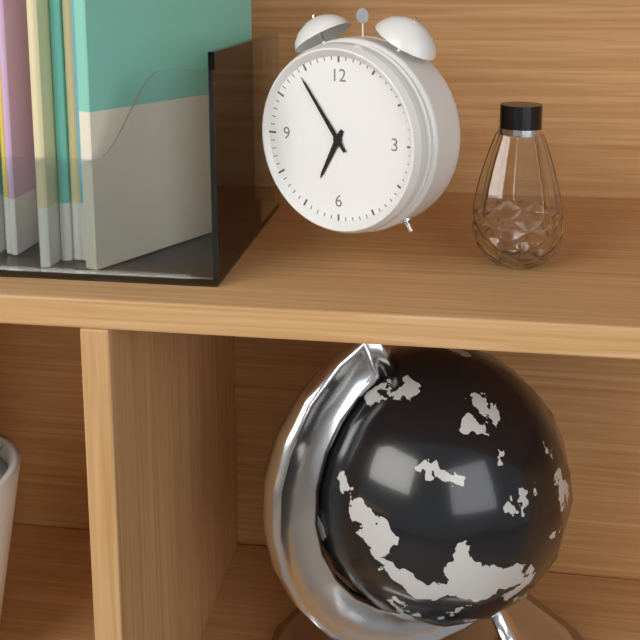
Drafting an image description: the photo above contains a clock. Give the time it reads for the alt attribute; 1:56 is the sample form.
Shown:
6:54
